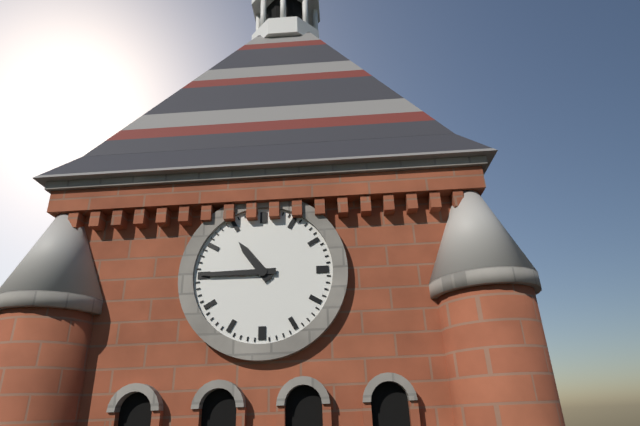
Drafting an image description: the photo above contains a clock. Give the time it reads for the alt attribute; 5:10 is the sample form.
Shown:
10:45
